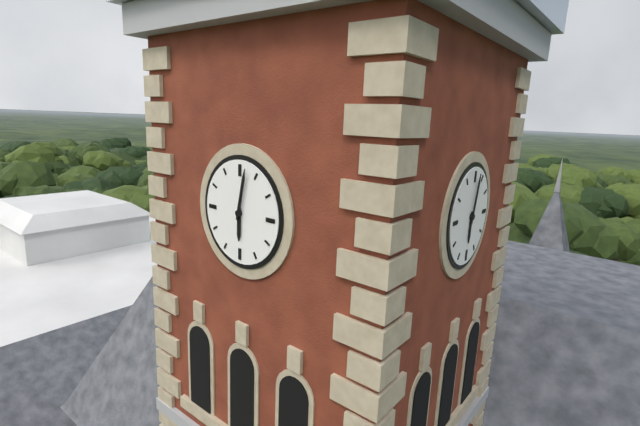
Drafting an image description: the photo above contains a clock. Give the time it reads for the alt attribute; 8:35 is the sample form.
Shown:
6:02
